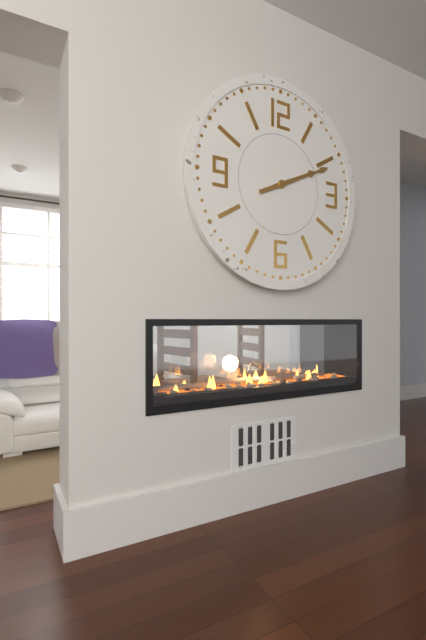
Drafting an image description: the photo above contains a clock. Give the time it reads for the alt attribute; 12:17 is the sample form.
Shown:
2:11
